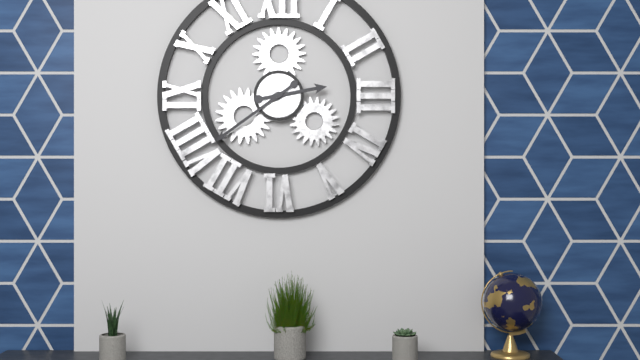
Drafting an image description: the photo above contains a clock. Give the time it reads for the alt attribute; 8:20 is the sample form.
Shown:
2:39
